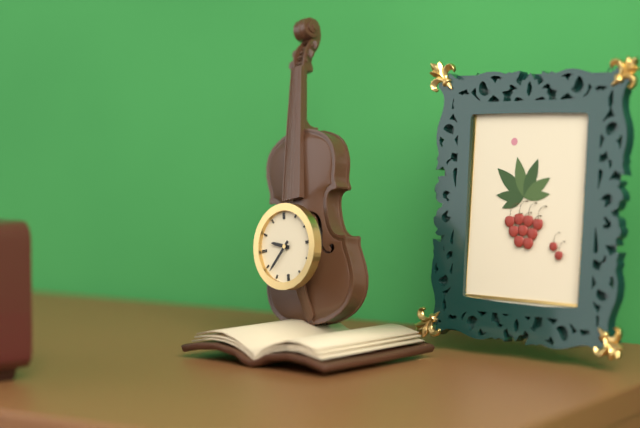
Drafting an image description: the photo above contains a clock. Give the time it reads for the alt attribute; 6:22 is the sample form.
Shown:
9:38
